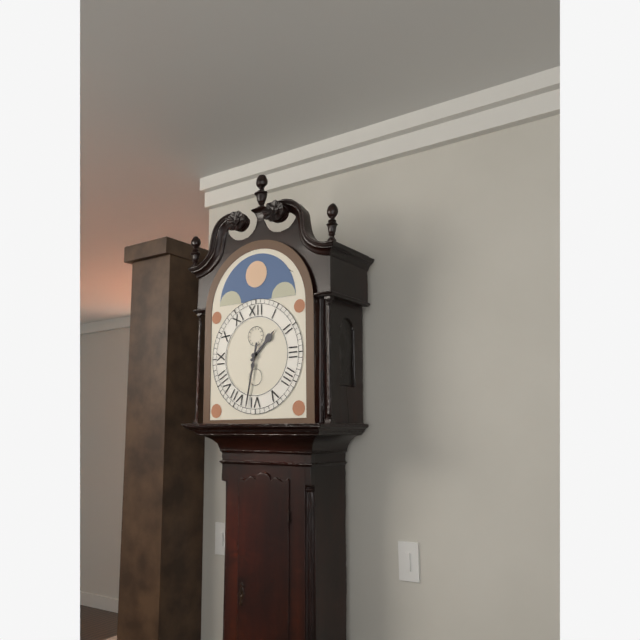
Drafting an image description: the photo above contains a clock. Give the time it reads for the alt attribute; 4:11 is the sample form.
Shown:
1:32
